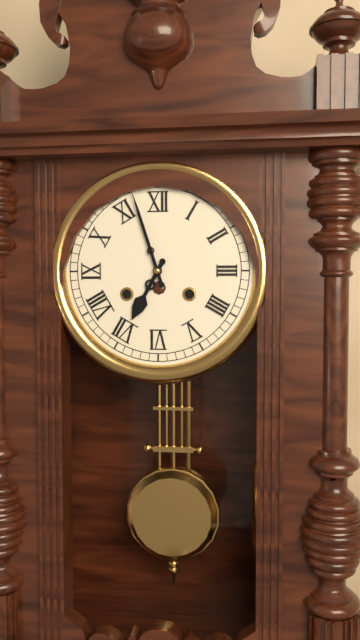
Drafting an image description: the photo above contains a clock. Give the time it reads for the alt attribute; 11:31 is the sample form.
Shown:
6:57
